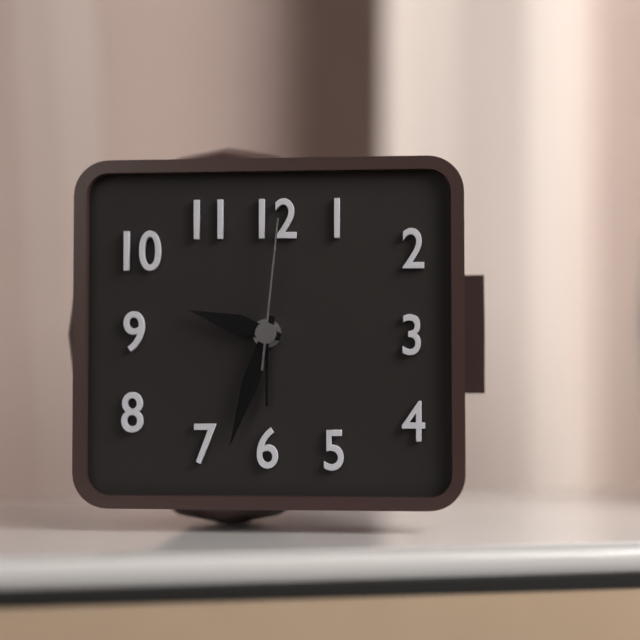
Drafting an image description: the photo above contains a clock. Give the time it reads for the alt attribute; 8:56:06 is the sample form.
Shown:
9:33:01
